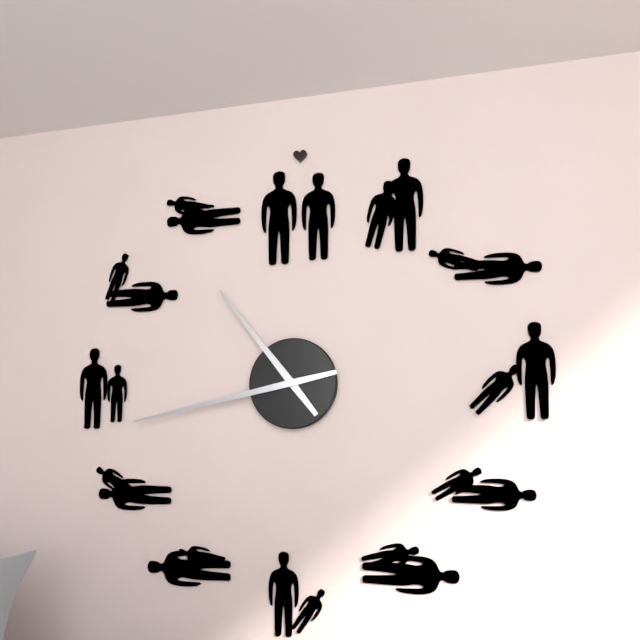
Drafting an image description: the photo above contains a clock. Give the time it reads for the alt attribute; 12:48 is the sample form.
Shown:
10:43
